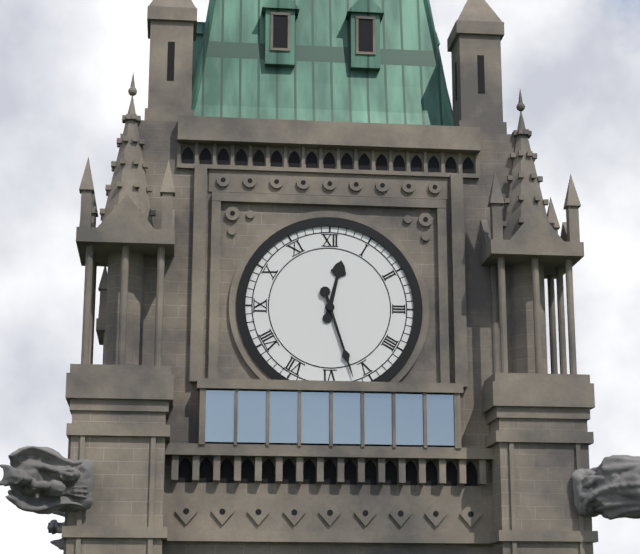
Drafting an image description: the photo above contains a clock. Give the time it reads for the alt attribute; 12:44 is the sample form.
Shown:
12:27
